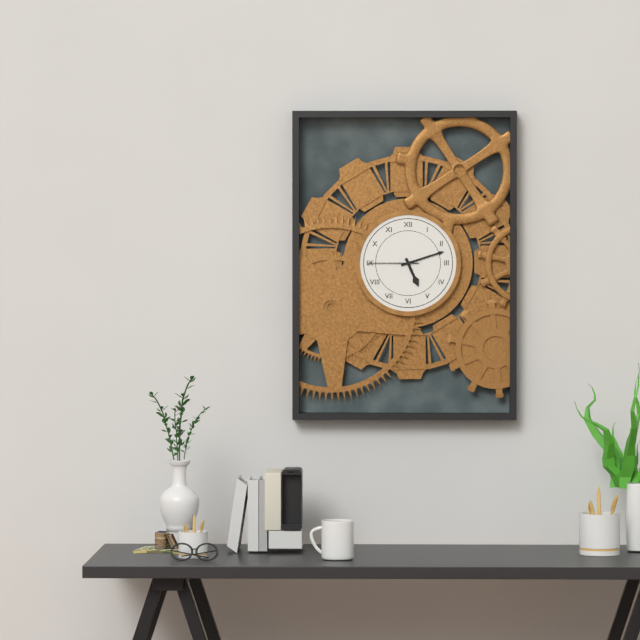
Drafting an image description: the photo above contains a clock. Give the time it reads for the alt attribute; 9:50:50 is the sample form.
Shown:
5:12:45
